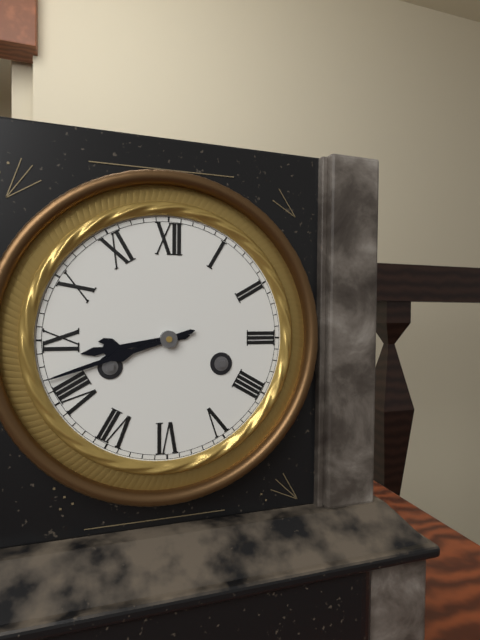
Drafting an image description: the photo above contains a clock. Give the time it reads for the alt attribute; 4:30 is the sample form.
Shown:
8:42
